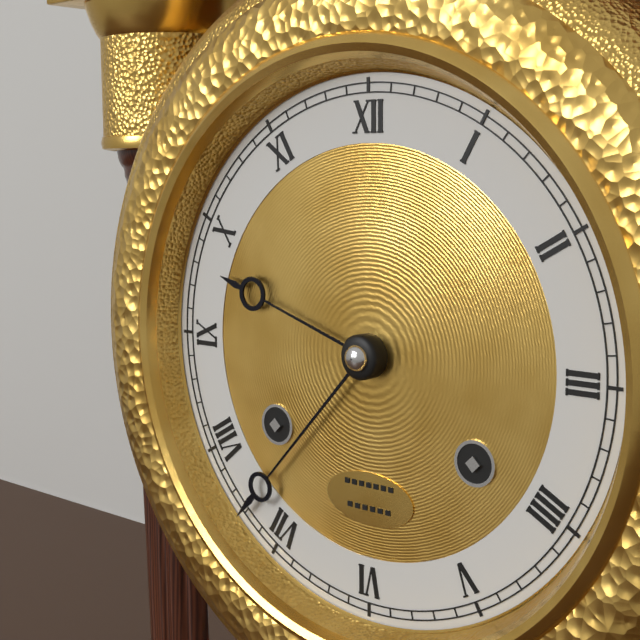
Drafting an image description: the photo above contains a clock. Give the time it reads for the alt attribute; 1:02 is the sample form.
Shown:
9:37
